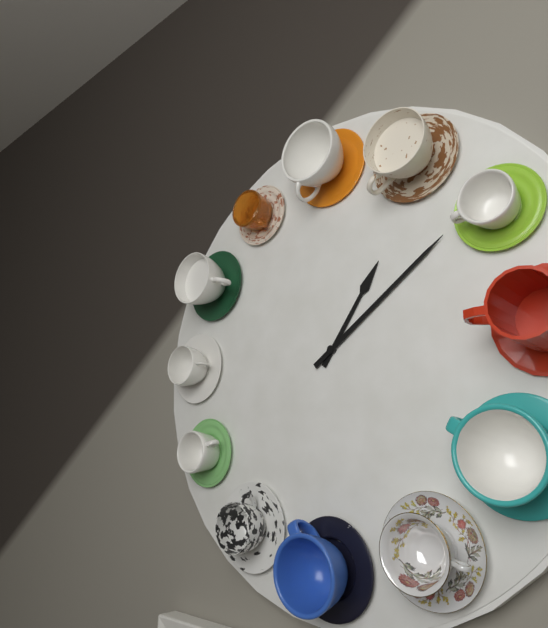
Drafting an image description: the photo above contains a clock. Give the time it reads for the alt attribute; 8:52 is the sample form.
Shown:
1:09
